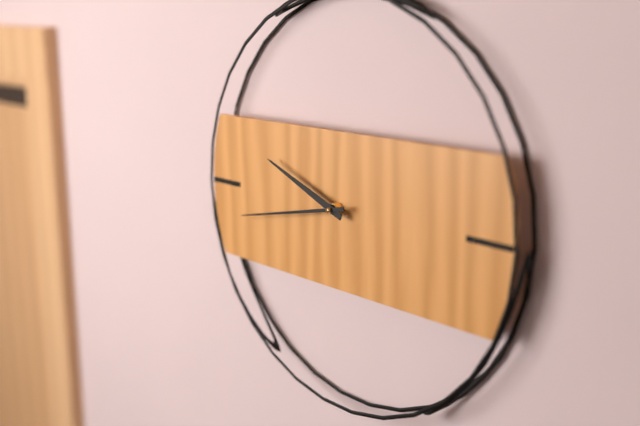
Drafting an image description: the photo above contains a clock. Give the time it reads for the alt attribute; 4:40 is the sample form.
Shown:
9:43
